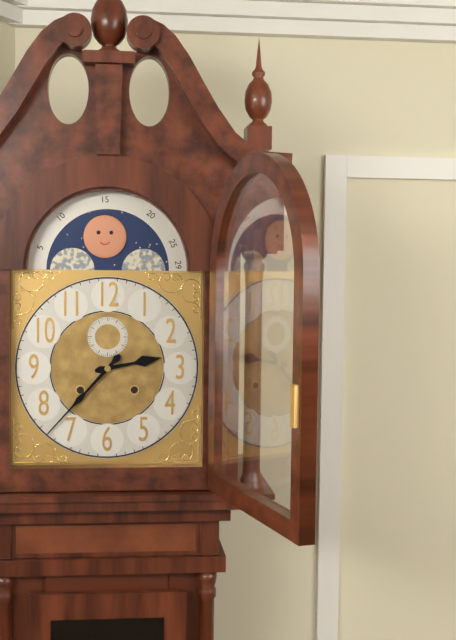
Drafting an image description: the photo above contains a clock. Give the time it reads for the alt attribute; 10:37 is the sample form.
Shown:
2:37
